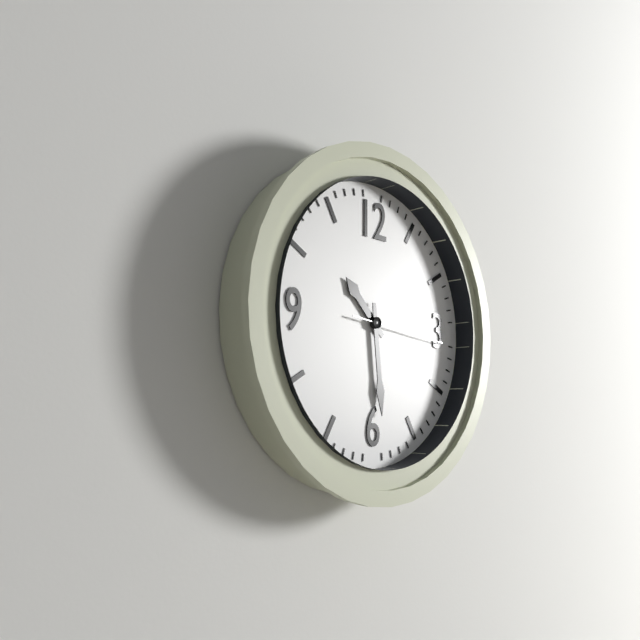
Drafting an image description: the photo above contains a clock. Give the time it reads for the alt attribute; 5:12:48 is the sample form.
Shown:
10:29:16
